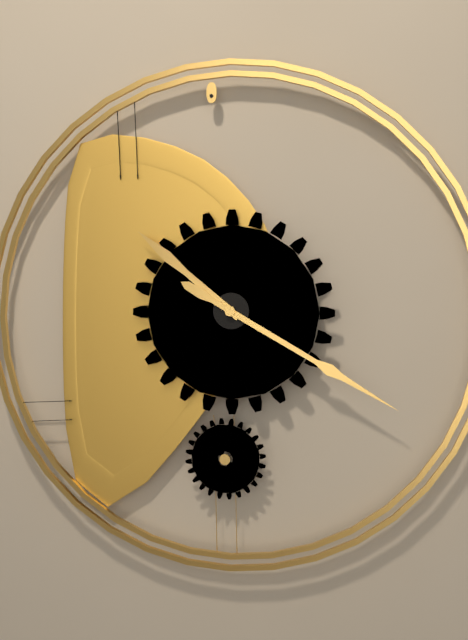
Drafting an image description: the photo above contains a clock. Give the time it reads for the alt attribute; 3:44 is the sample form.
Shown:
10:20
